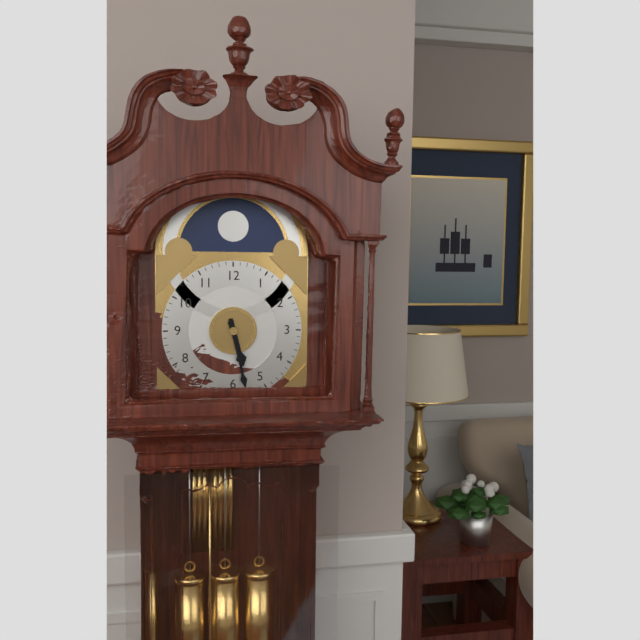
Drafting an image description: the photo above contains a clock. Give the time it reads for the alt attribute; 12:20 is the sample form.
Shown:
5:28
